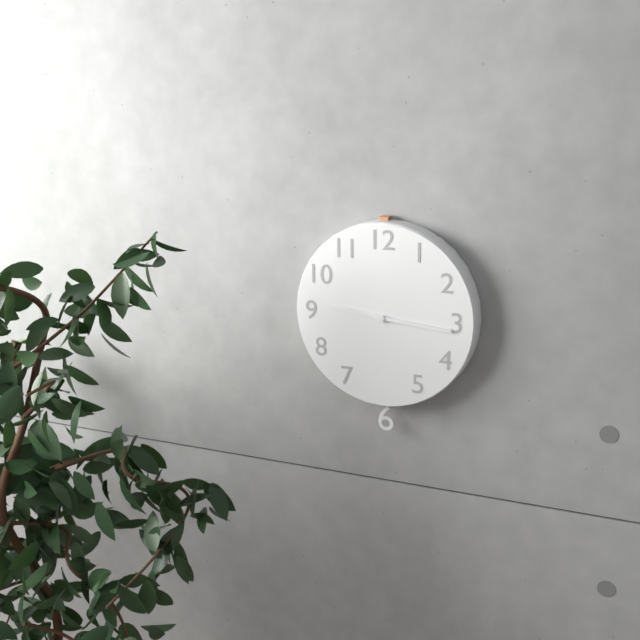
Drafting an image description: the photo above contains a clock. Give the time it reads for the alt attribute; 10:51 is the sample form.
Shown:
9:16
